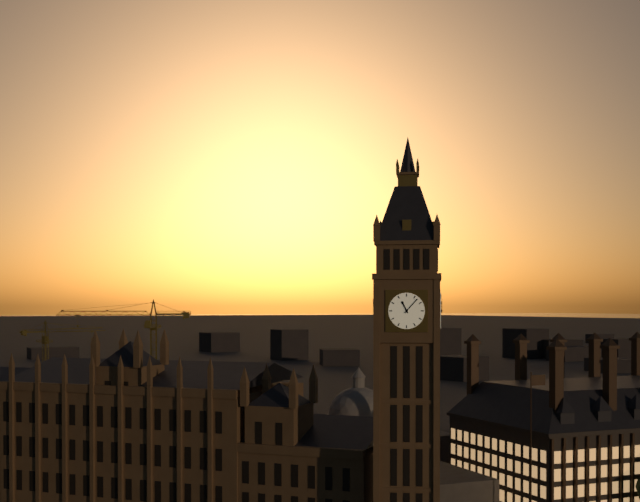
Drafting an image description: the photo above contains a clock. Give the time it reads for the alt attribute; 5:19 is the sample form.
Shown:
11:07
